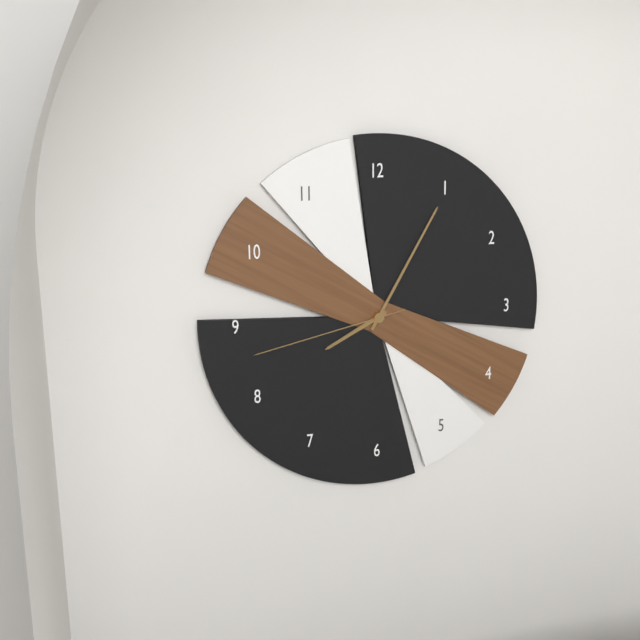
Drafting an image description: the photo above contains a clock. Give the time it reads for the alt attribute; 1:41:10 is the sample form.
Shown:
8:05:43
